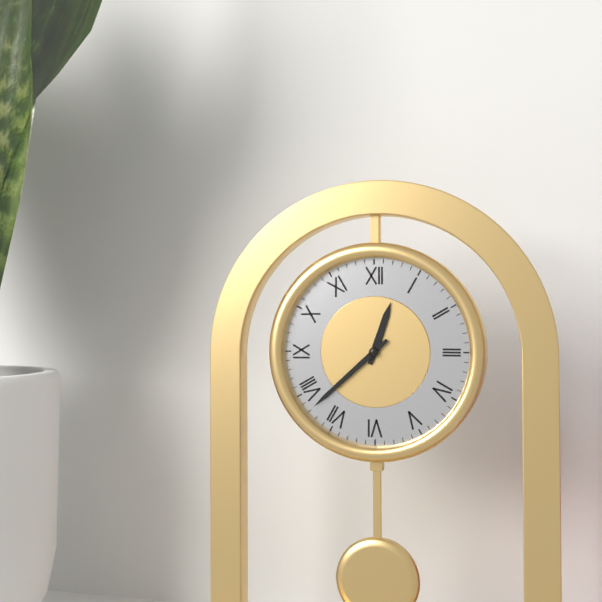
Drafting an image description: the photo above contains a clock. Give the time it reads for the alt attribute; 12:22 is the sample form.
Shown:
12:38
